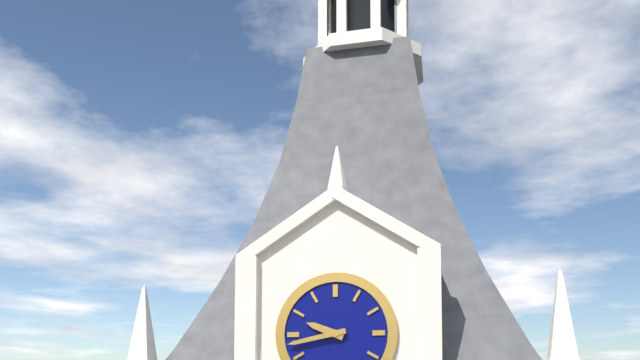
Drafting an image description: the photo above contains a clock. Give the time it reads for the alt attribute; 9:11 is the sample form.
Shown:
9:43
